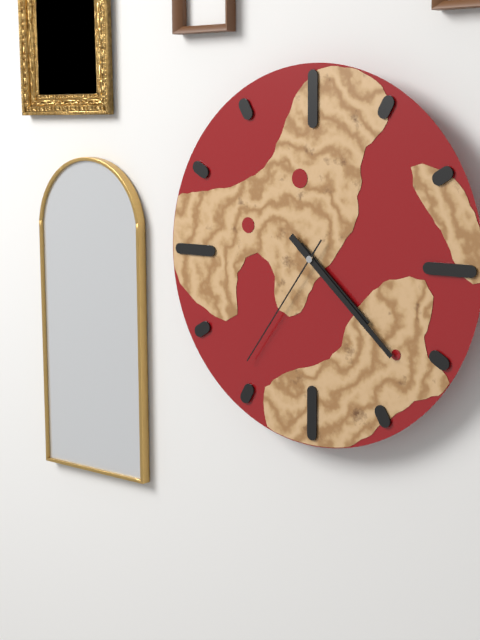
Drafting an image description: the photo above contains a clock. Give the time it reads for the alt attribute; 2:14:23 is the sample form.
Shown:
4:22:36
